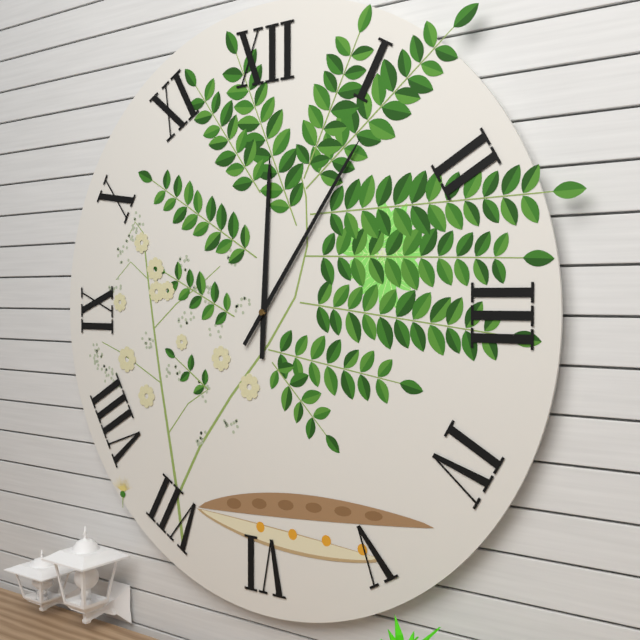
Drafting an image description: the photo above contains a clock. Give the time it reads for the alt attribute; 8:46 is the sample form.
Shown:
12:06
